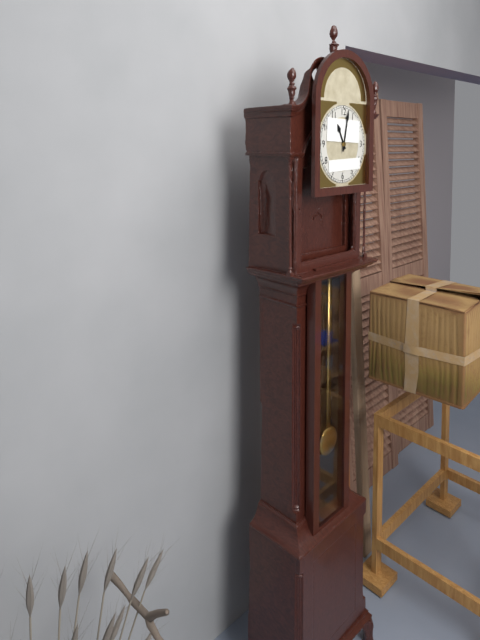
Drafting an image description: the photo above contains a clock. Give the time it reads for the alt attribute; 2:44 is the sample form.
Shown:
11:02
